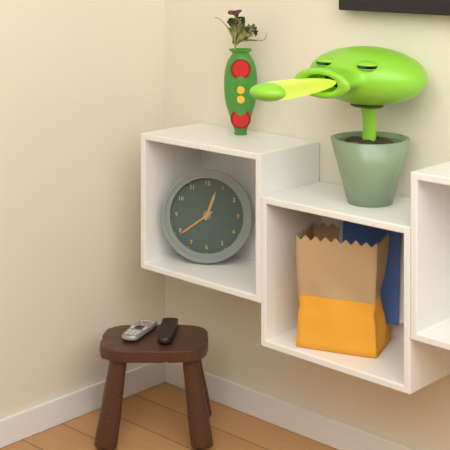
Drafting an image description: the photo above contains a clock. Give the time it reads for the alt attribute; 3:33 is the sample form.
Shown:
12:39
